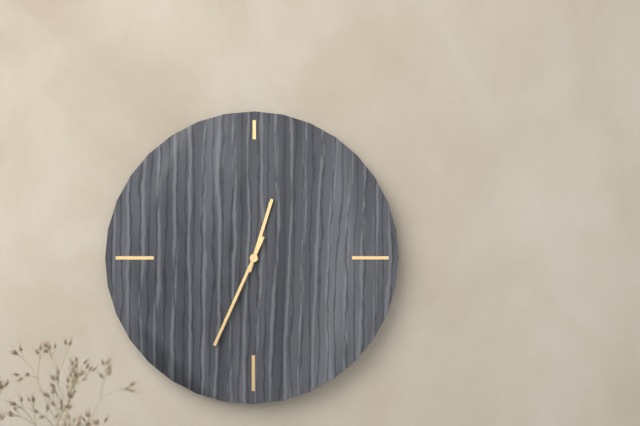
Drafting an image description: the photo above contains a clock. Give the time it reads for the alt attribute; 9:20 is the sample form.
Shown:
12:34
